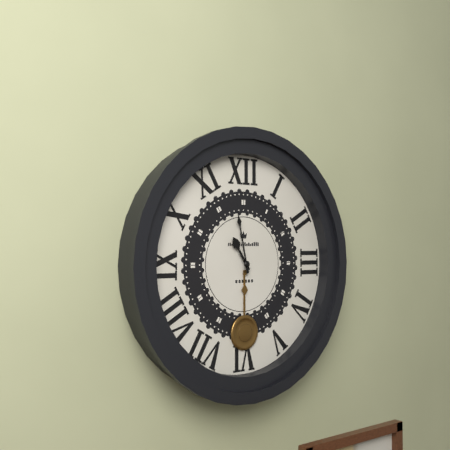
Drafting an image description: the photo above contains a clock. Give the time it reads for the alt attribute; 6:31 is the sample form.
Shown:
10:58
